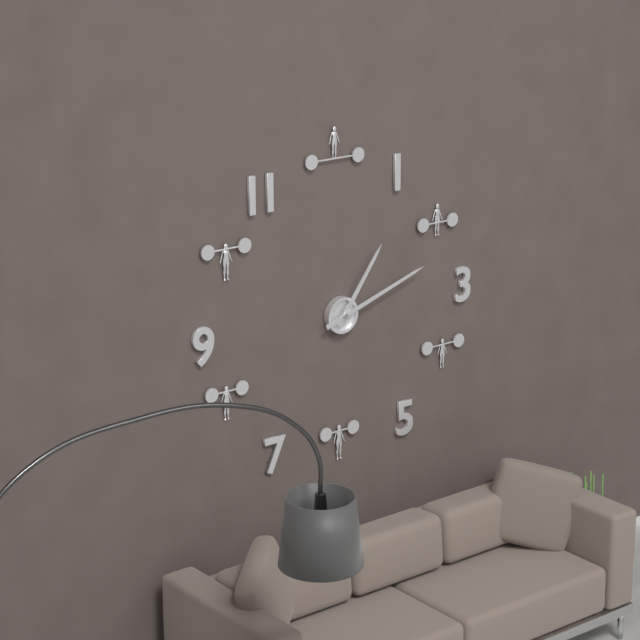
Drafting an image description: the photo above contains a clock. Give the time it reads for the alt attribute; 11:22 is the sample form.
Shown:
1:12
